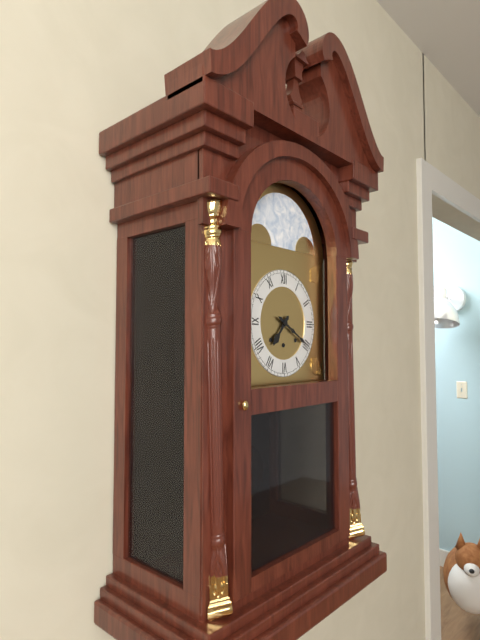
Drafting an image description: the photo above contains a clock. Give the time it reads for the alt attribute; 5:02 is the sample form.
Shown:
7:20
